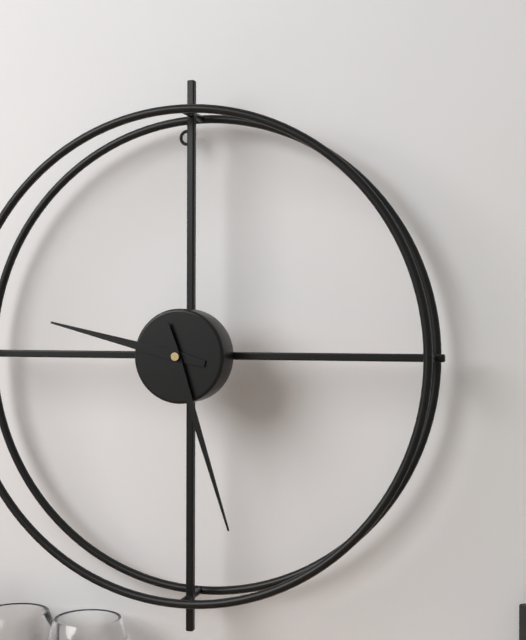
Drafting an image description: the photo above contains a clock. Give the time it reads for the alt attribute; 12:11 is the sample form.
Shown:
9:27
